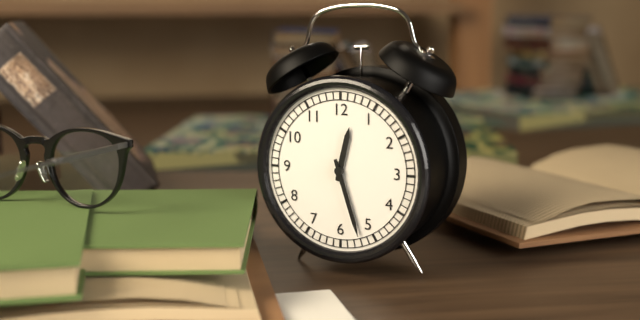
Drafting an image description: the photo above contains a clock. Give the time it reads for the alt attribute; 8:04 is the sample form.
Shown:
12:27
